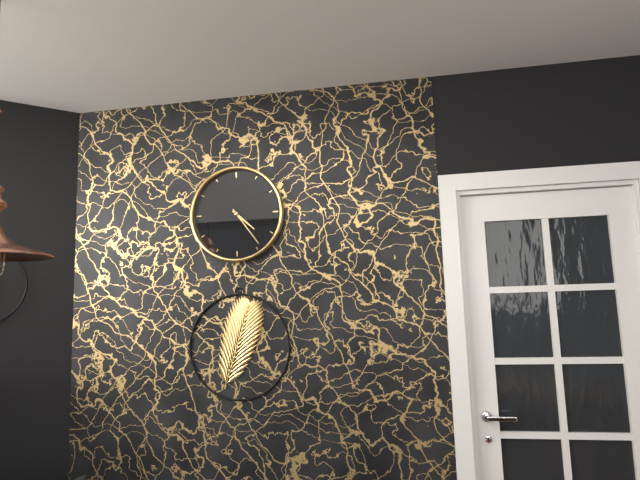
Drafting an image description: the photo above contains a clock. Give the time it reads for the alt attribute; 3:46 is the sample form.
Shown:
4:24
